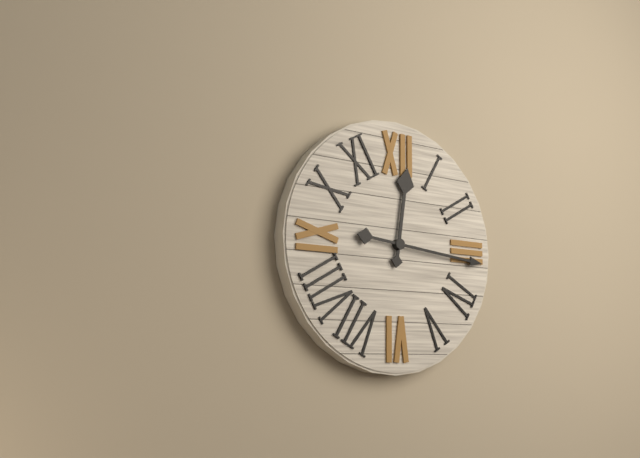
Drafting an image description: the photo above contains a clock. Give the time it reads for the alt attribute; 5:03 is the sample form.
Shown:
12:16
